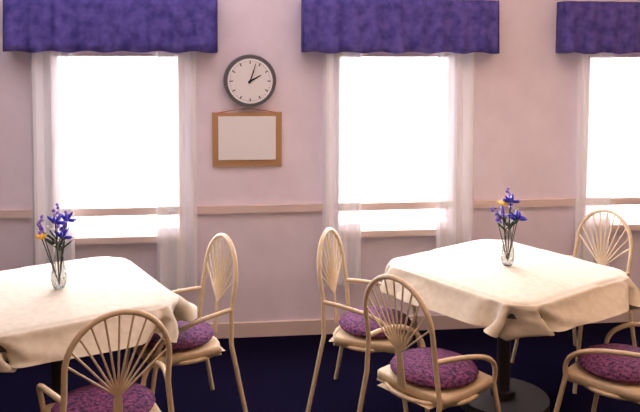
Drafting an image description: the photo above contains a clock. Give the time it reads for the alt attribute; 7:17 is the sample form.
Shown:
2:03
